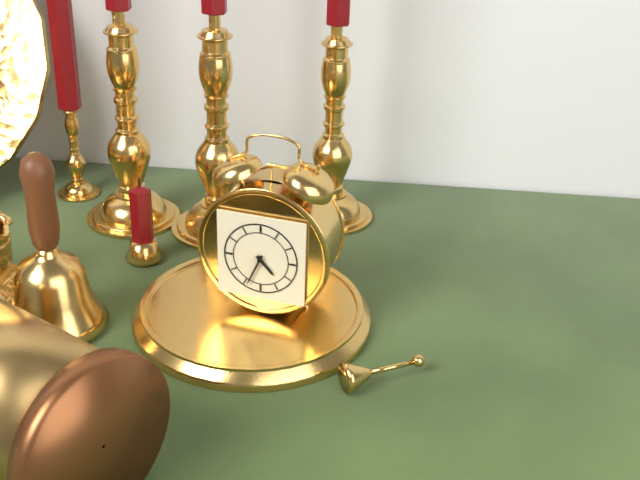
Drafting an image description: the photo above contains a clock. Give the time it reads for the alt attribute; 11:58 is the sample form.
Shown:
4:34
